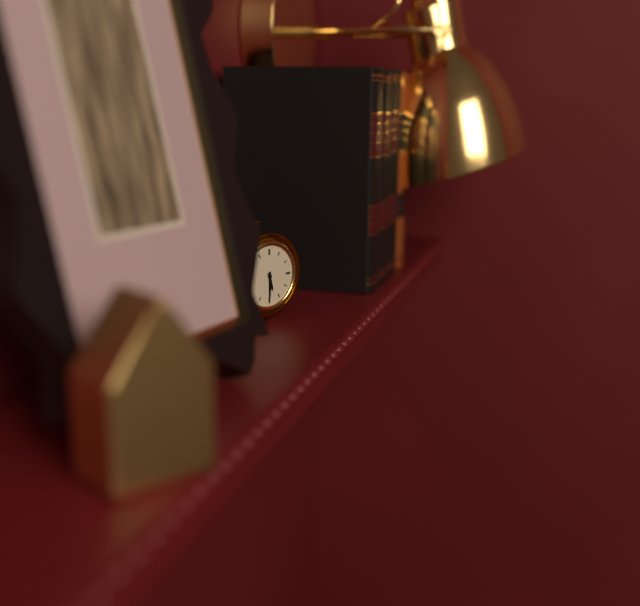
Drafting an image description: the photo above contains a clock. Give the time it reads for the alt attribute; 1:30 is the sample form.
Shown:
5:30
